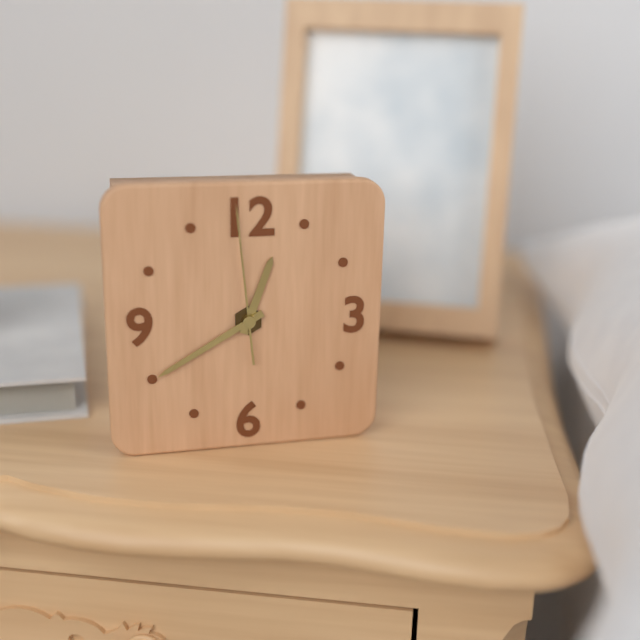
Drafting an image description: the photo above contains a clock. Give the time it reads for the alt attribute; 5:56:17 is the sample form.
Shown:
12:40:59
